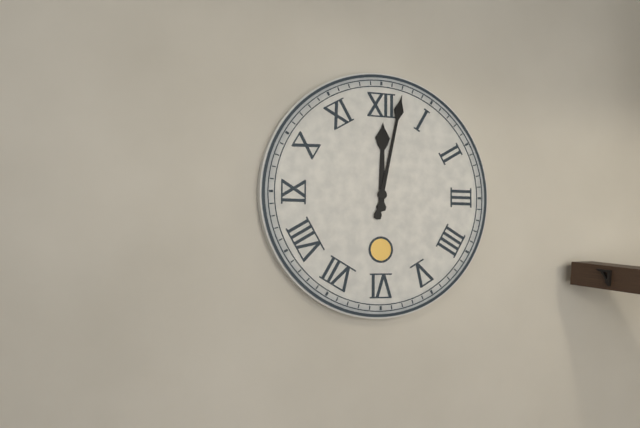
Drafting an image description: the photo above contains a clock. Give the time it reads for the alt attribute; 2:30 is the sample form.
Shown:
12:02
